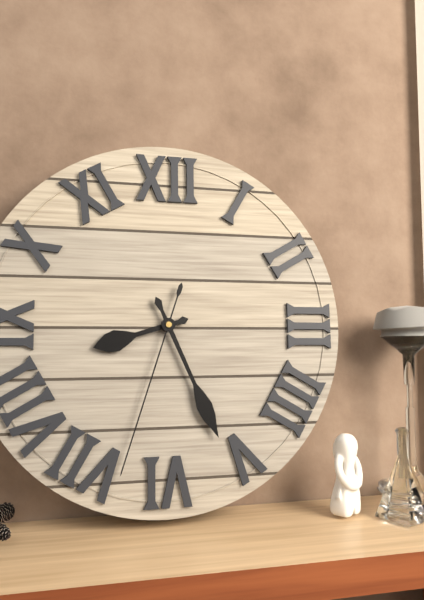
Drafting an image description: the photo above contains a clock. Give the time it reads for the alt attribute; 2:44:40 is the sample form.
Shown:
8:26:33
